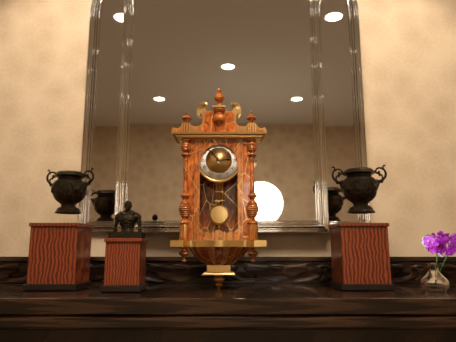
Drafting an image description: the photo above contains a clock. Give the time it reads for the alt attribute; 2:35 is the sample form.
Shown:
2:53
